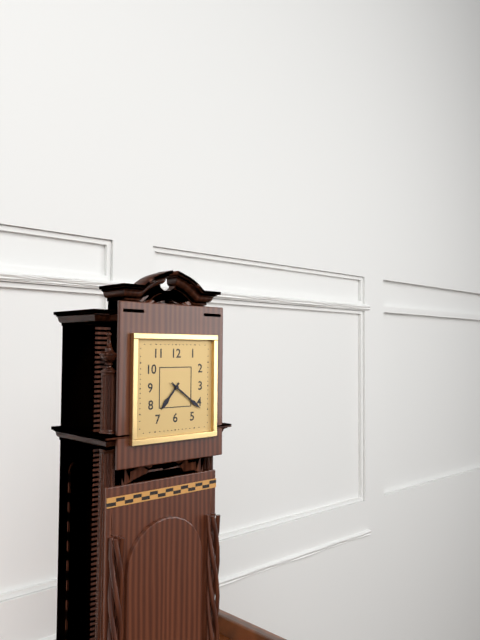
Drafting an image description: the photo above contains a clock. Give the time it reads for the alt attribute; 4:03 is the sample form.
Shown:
7:21
